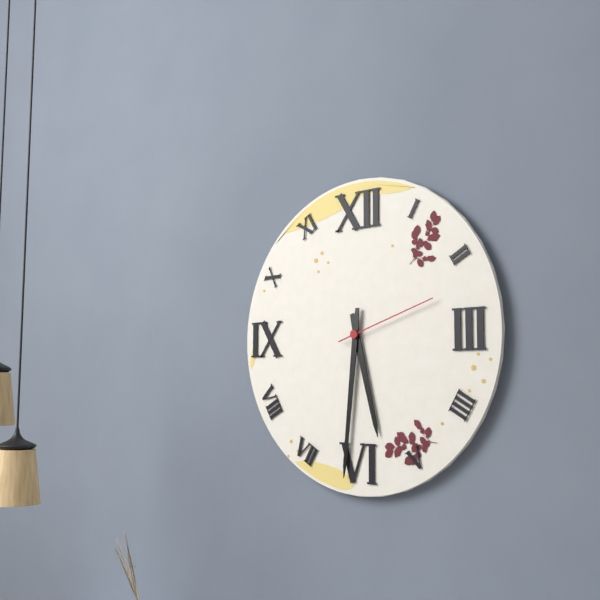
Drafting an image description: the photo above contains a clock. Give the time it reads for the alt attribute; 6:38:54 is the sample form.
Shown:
5:31:12
